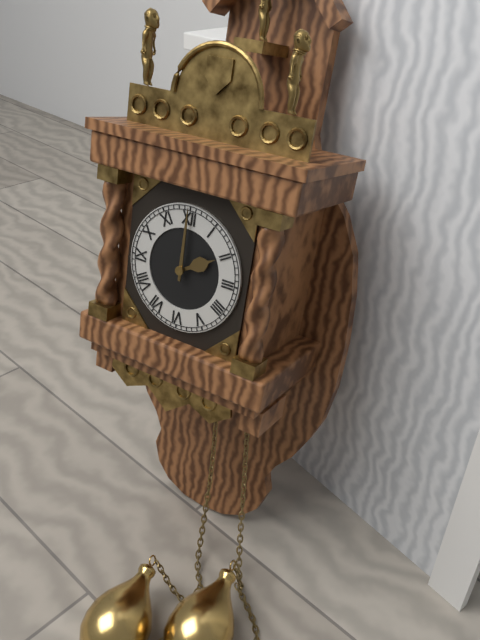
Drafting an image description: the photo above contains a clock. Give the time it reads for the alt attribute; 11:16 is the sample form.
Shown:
2:00
